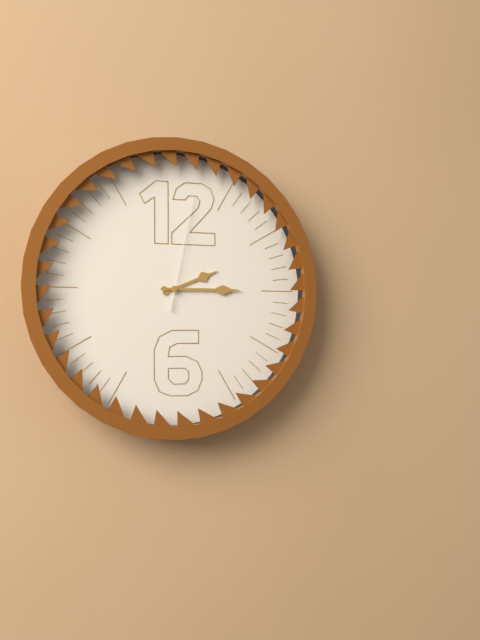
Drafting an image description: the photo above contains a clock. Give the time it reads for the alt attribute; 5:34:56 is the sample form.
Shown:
2:15:02
